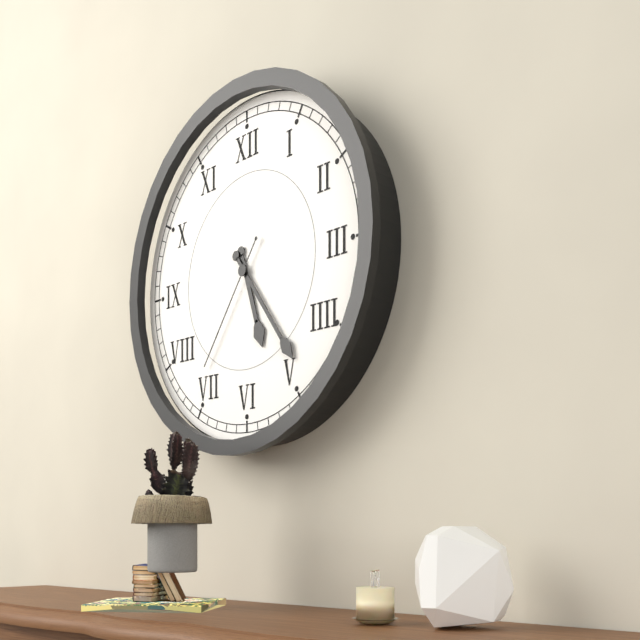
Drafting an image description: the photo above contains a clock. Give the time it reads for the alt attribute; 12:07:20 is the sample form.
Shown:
5:24:36
